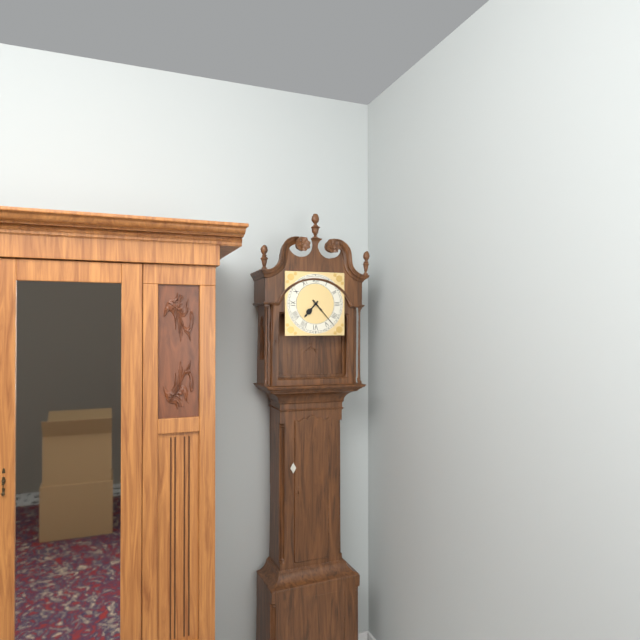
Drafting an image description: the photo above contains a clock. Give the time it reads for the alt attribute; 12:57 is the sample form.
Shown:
7:23
